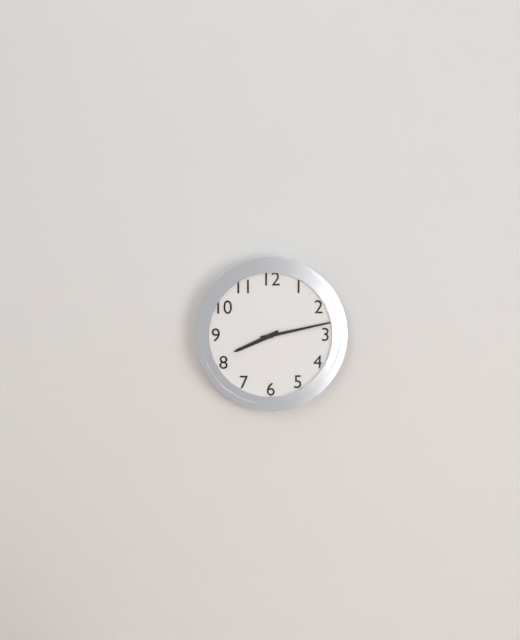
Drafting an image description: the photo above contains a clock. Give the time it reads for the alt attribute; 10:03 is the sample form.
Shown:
8:13
